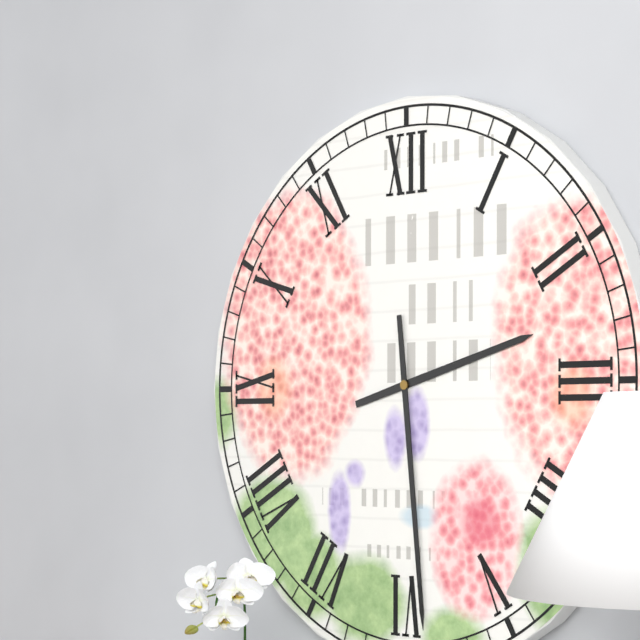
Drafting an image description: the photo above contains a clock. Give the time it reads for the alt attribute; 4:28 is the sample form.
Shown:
2:29
